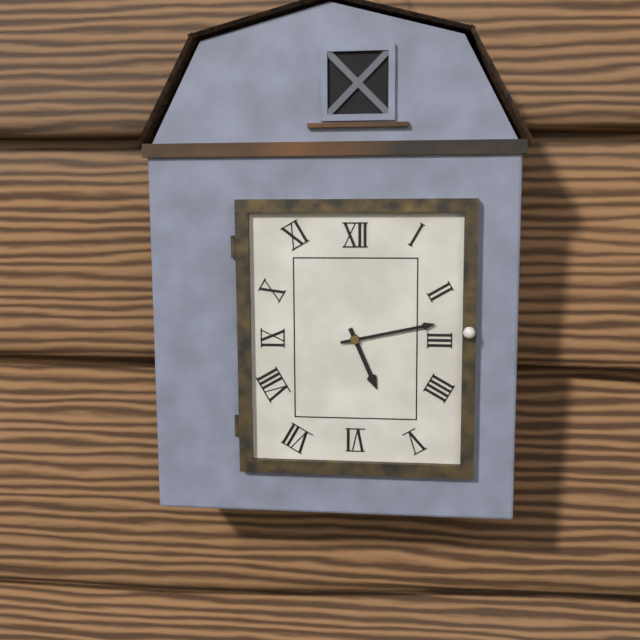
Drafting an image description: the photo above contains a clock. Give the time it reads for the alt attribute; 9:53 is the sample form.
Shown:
5:13
